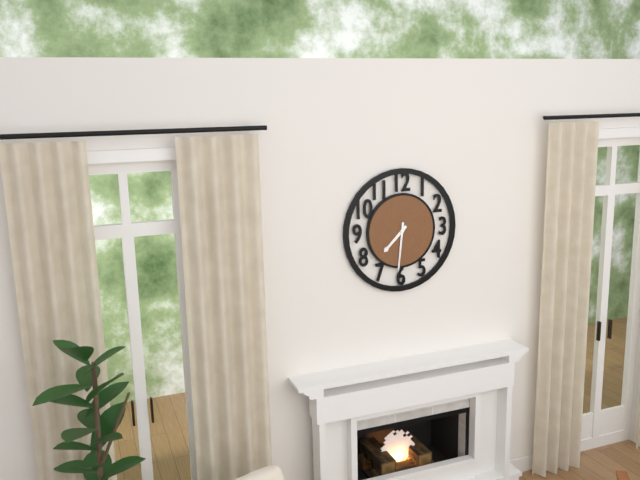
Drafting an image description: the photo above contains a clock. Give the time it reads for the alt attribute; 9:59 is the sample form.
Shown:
7:31
